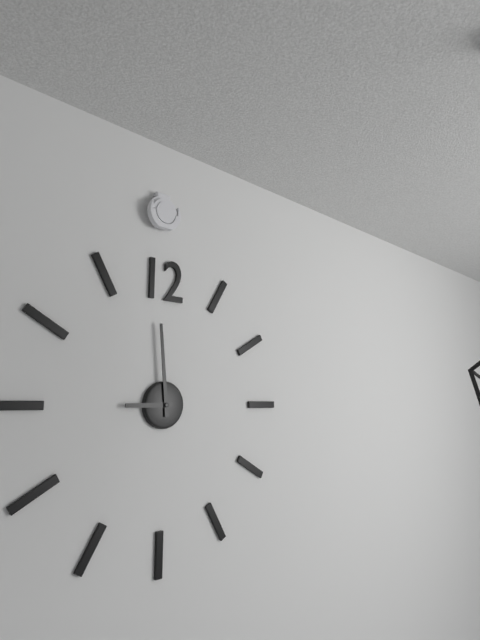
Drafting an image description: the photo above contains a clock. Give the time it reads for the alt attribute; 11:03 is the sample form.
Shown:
8:59
